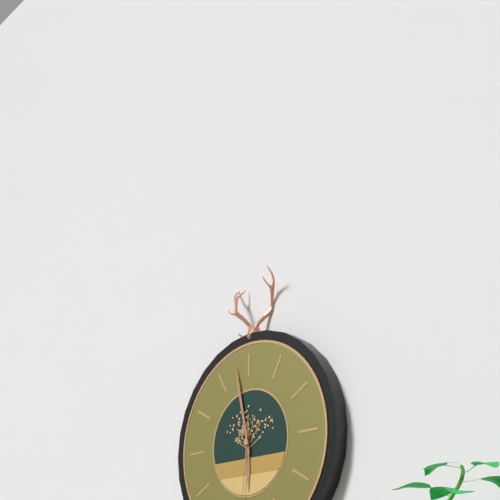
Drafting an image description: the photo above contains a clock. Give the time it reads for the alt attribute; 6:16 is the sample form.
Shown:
5:58
